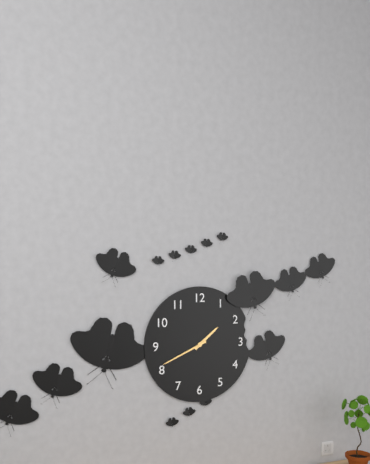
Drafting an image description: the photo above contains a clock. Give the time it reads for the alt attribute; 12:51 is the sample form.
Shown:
1:41
